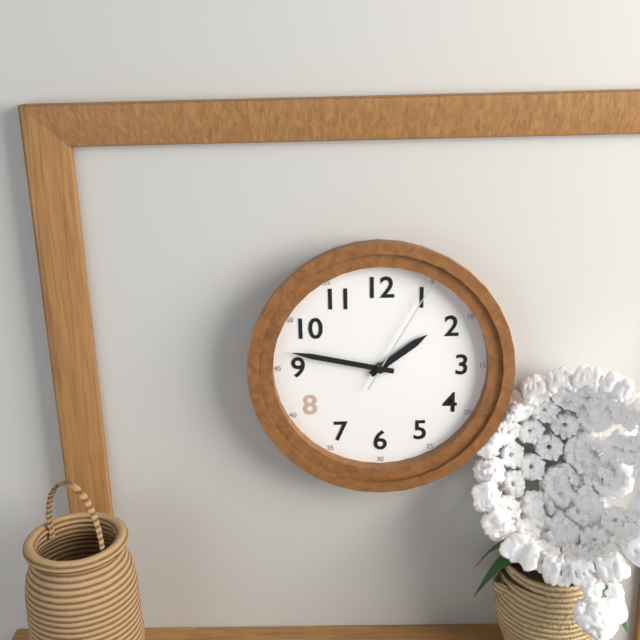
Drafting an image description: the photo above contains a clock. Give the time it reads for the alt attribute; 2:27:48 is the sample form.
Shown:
1:47:05
